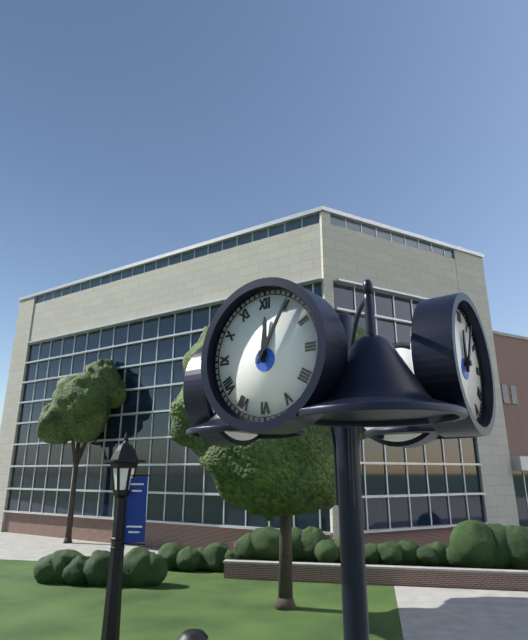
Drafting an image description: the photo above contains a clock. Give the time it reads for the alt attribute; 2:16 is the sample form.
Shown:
12:05
